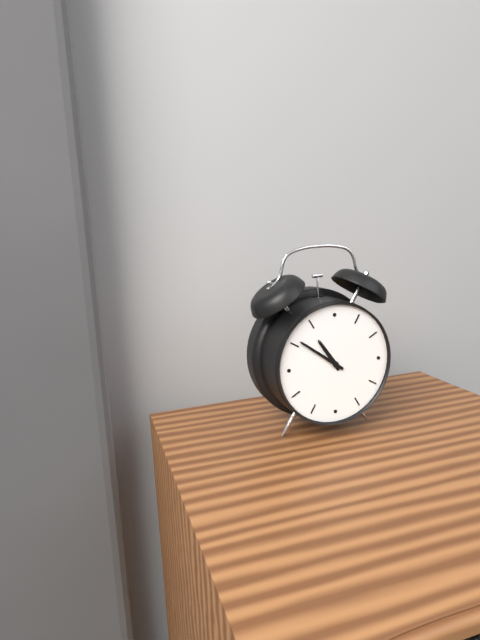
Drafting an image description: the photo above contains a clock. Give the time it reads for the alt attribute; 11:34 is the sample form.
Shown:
10:51
